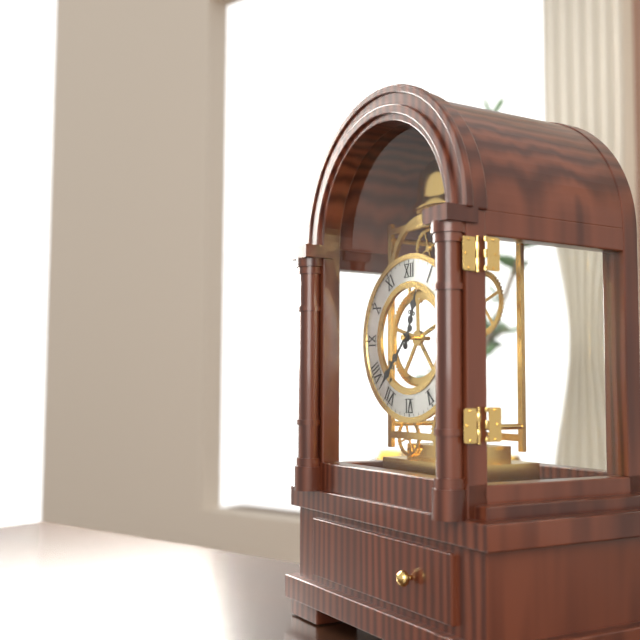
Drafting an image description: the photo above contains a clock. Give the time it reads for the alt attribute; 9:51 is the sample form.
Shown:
12:37
